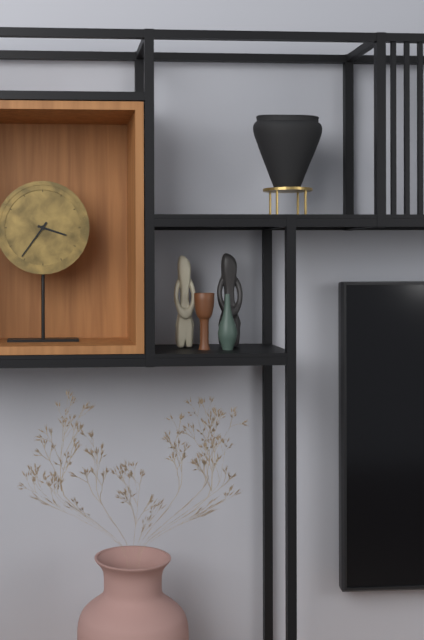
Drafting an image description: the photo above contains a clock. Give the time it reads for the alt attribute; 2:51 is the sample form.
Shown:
3:36
